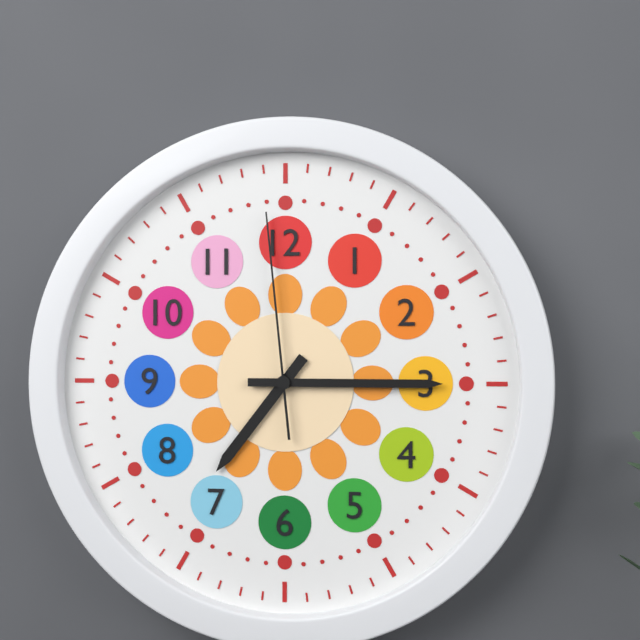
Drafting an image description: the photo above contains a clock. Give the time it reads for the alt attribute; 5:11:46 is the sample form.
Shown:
7:15:59
